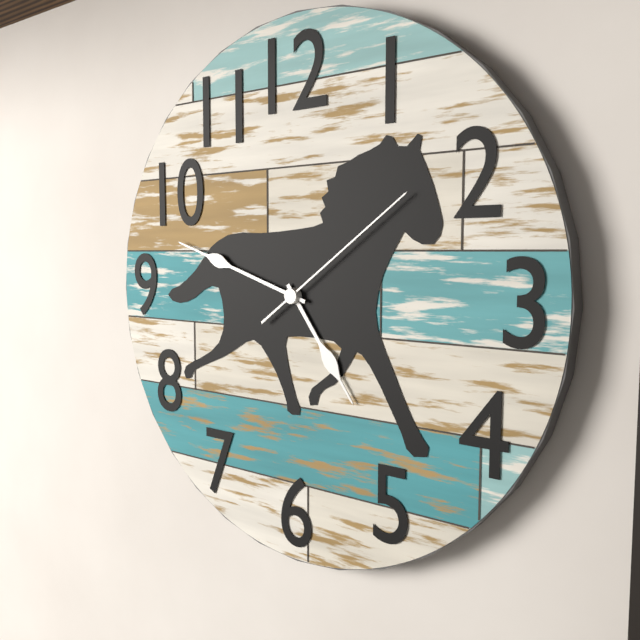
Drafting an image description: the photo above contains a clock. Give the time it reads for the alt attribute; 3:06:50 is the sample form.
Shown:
4:48:09
